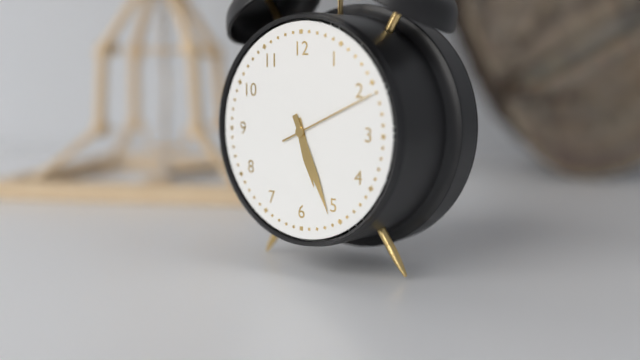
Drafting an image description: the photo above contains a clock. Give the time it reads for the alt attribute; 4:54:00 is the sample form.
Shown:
5:26:11
